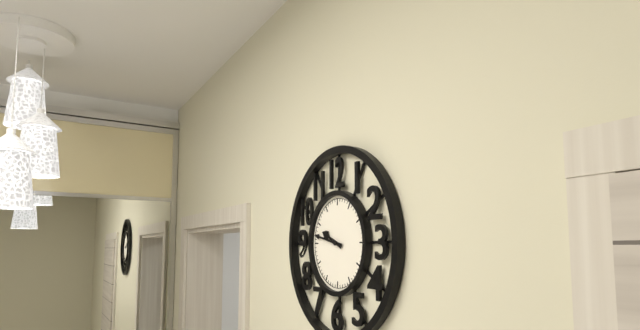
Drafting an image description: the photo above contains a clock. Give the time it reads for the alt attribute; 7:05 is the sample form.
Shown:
9:47
